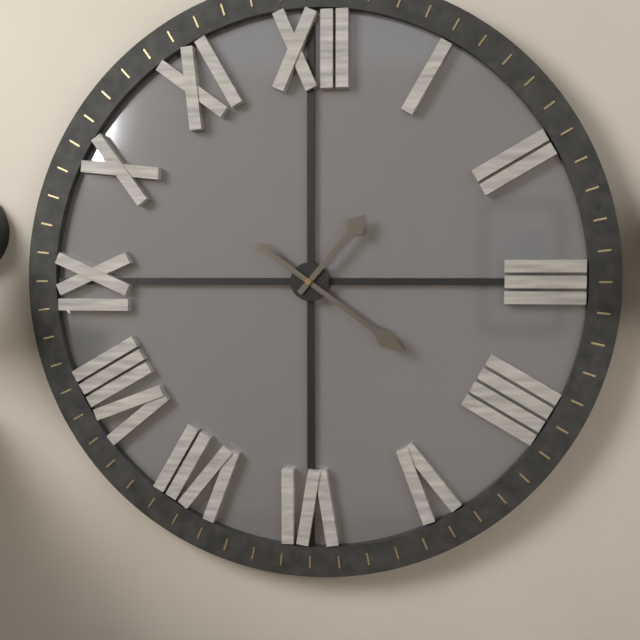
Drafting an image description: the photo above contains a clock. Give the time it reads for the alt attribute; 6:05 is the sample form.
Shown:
1:21
